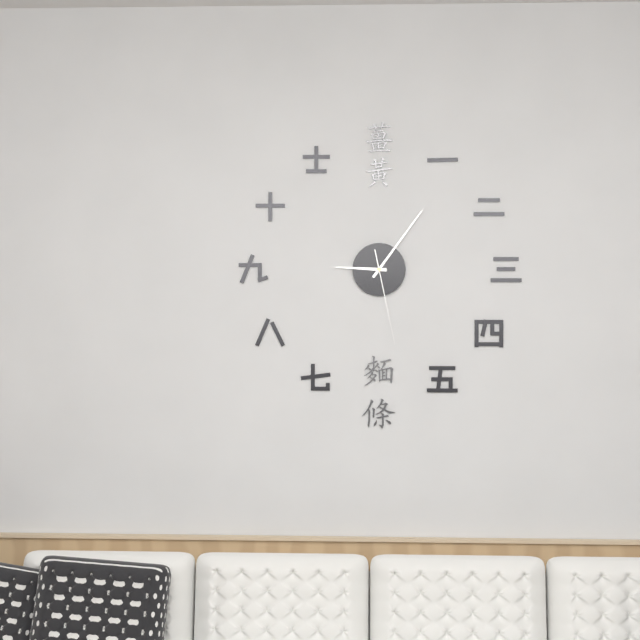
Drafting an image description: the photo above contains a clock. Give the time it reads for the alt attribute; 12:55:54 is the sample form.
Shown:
9:06:28
